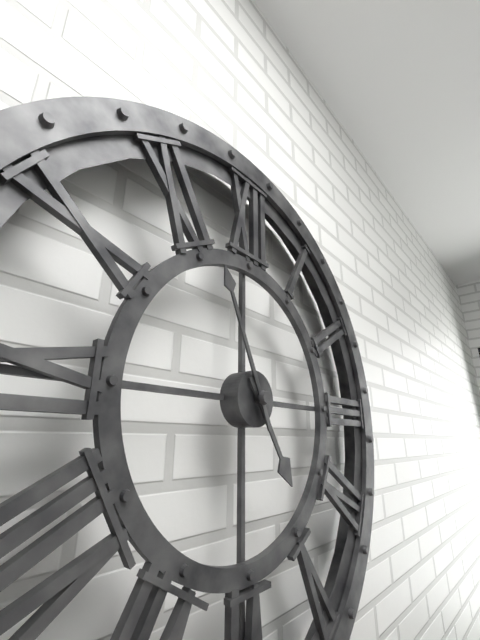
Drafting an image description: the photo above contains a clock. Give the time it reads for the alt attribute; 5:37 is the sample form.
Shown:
4:56
